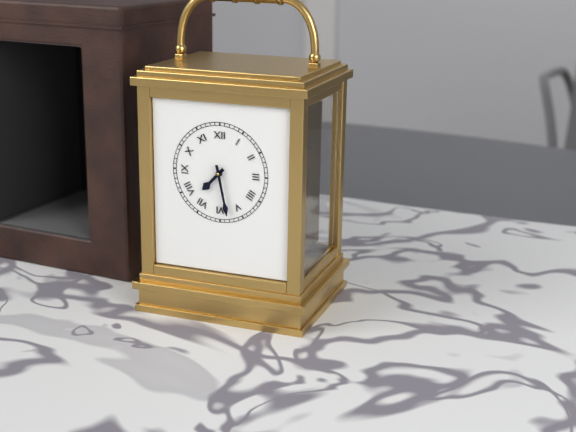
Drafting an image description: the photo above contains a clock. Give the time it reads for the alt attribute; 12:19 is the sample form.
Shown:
7:28
